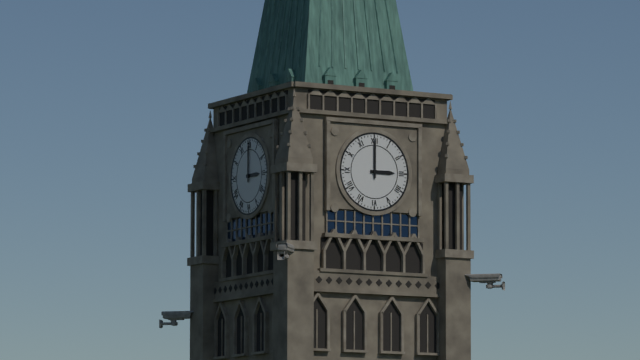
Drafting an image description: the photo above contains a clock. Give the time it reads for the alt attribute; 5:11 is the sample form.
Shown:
3:00
